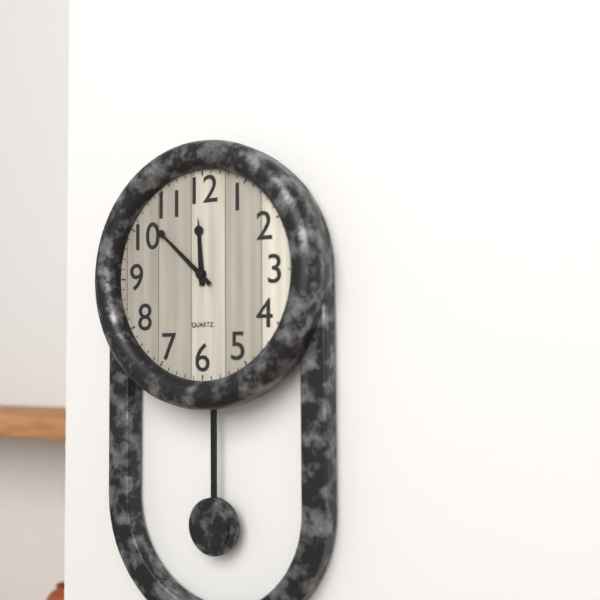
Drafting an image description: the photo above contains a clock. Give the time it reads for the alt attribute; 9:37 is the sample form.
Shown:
11:52
